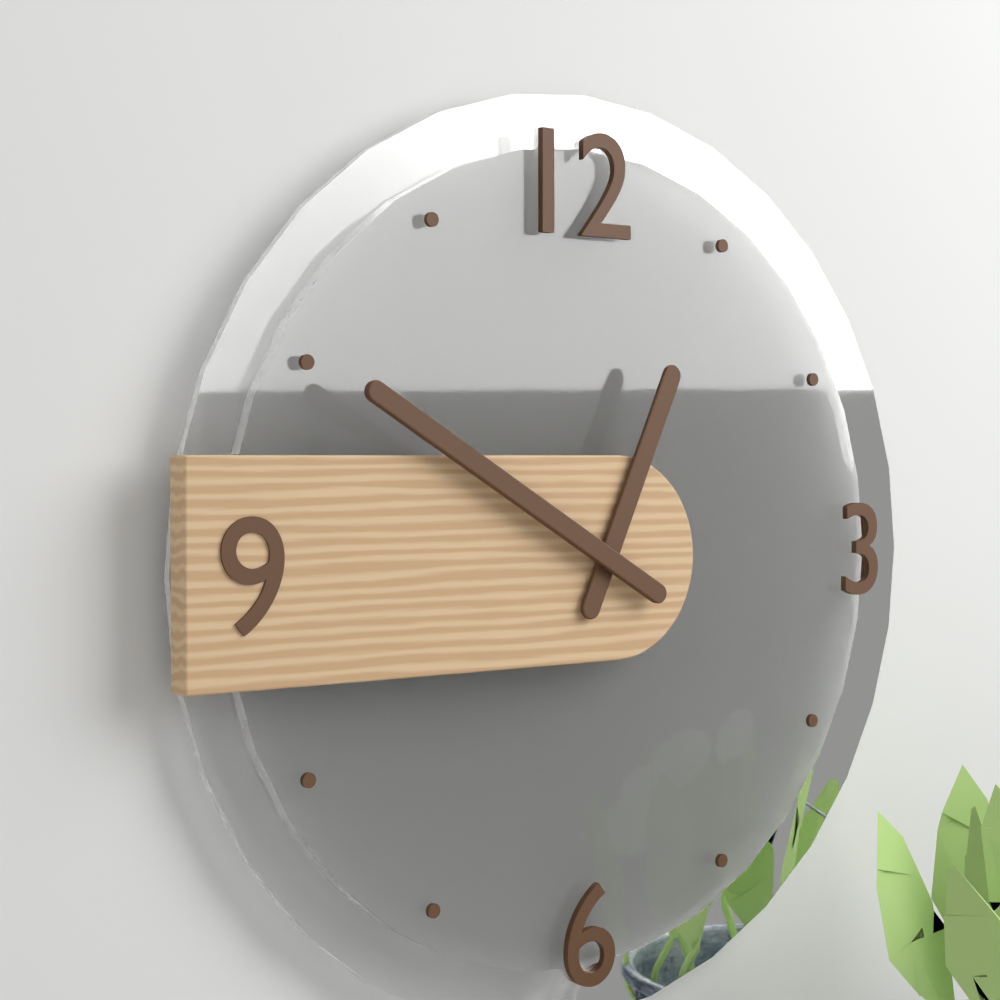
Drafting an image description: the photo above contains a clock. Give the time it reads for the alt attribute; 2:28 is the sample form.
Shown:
12:50
